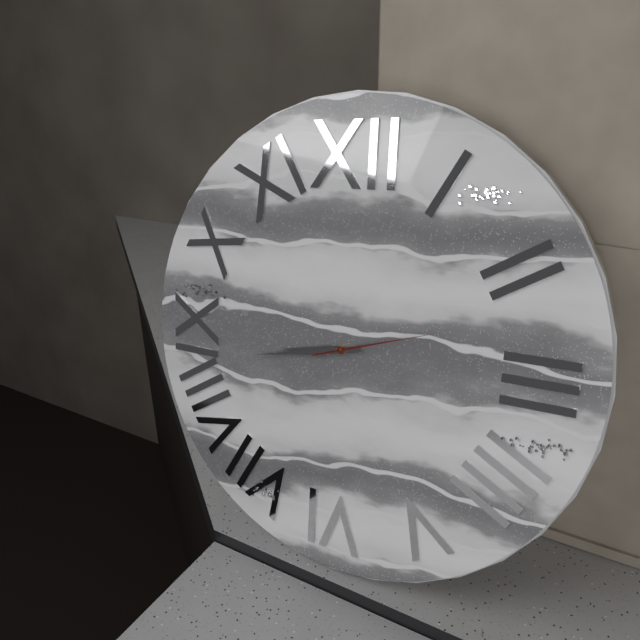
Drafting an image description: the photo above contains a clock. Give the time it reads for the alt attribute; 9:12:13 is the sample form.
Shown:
8:43:12
